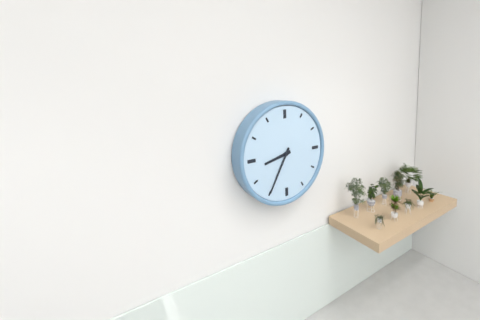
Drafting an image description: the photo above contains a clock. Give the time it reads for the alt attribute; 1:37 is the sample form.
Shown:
8:35
